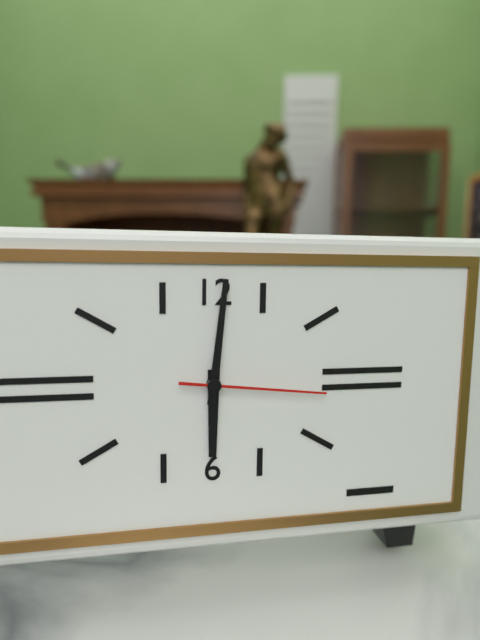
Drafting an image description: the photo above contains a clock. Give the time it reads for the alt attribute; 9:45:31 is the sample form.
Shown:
6:01:16
